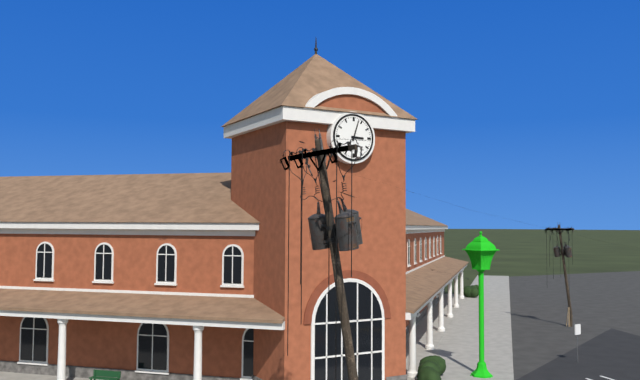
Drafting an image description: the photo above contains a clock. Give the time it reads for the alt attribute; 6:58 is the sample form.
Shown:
3:03
